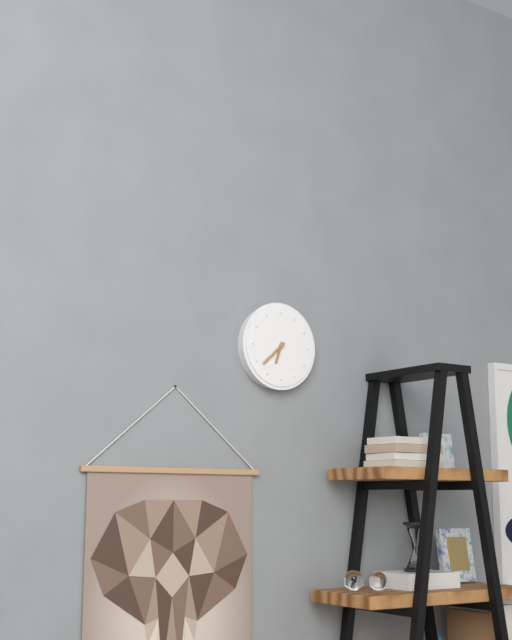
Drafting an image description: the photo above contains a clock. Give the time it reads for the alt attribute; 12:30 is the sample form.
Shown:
6:38
